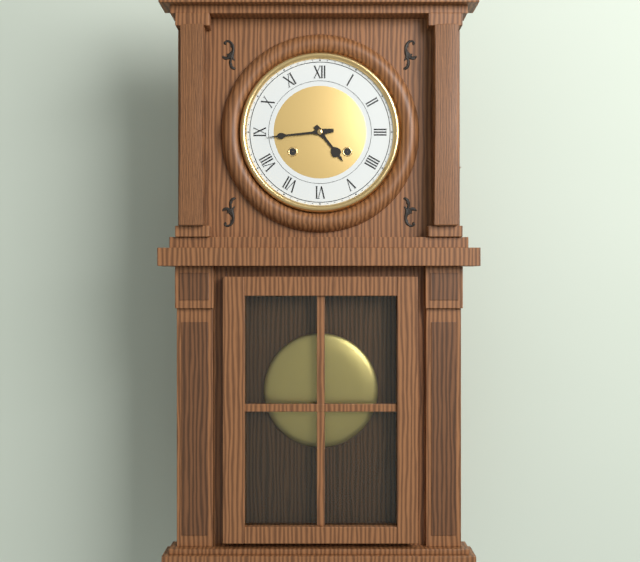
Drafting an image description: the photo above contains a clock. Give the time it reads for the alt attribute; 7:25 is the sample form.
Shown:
4:44
